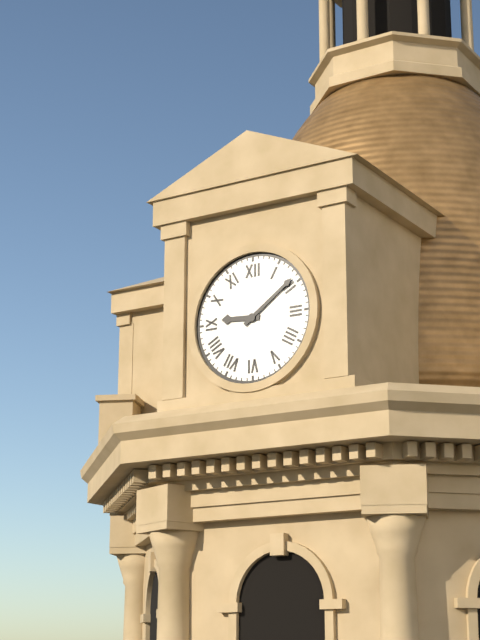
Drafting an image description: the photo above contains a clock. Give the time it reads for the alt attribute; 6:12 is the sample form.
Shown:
9:09
